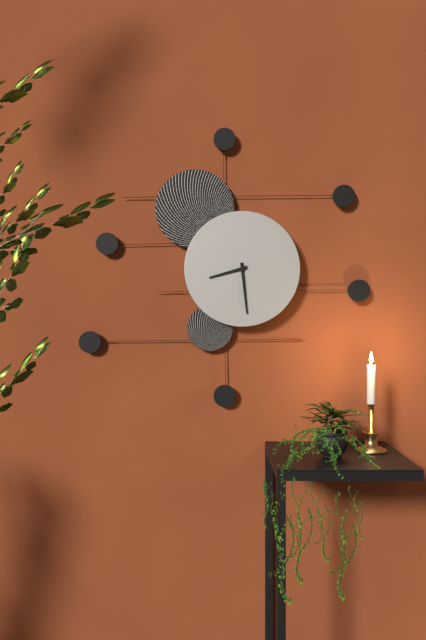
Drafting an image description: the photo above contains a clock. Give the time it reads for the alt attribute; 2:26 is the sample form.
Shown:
8:29
